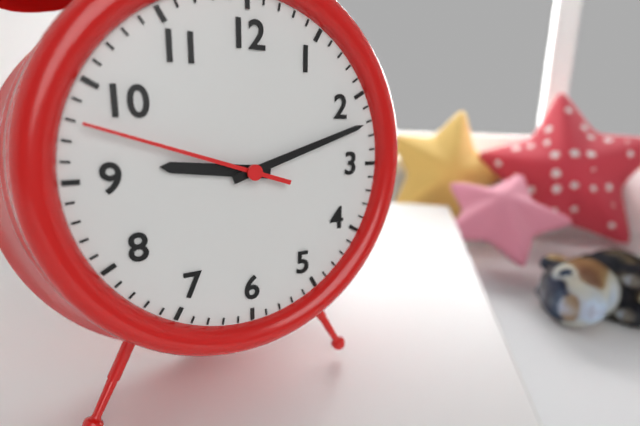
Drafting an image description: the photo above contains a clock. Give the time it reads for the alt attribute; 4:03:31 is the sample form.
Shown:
9:12:48
